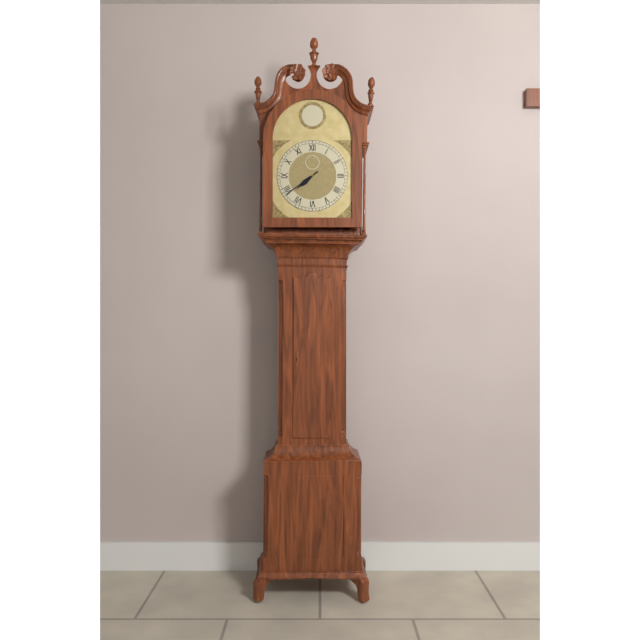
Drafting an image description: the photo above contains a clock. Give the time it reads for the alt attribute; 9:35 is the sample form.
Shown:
7:39
